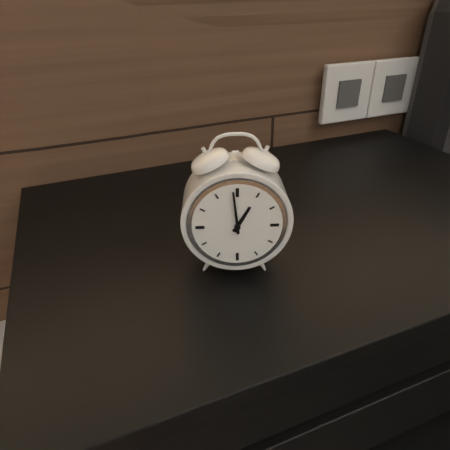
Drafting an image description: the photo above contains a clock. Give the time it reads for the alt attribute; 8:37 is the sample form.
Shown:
12:59
